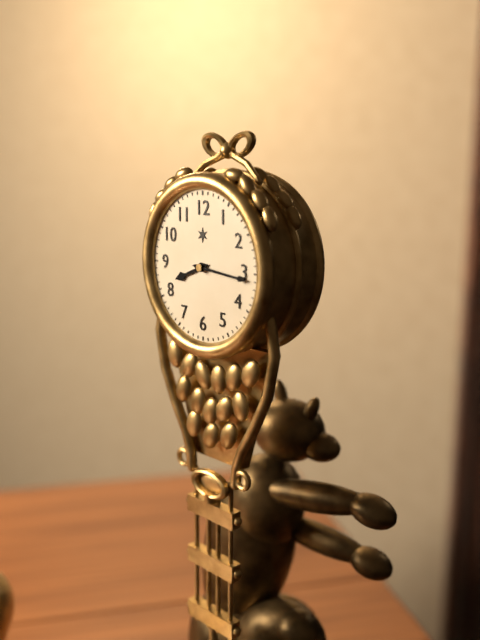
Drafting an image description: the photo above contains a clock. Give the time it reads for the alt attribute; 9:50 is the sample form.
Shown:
8:16
